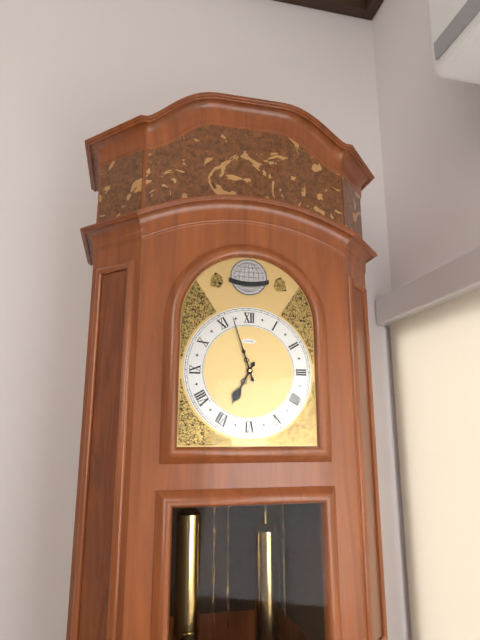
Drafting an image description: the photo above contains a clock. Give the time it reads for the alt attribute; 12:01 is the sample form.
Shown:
6:57
